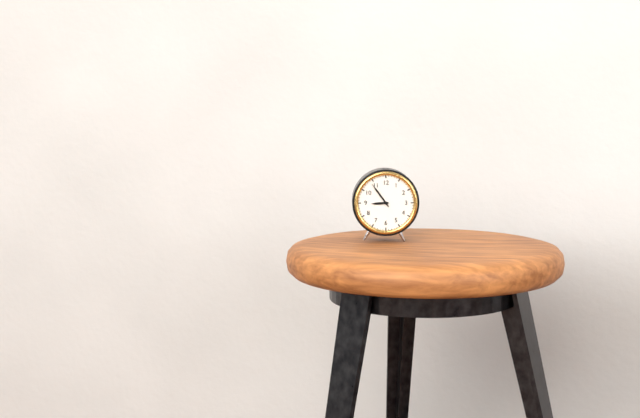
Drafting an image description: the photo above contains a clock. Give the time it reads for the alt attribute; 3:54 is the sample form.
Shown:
8:54
